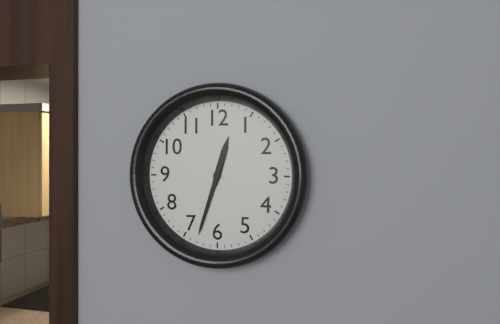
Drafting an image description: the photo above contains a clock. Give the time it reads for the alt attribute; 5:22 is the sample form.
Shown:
12:33
